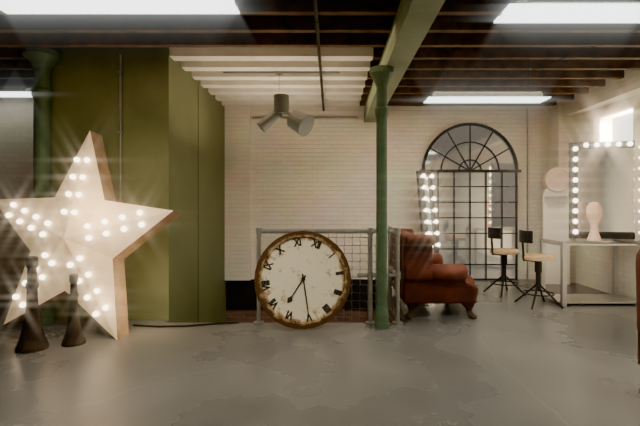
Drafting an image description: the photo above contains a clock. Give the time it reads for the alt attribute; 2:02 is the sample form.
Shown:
6:25
